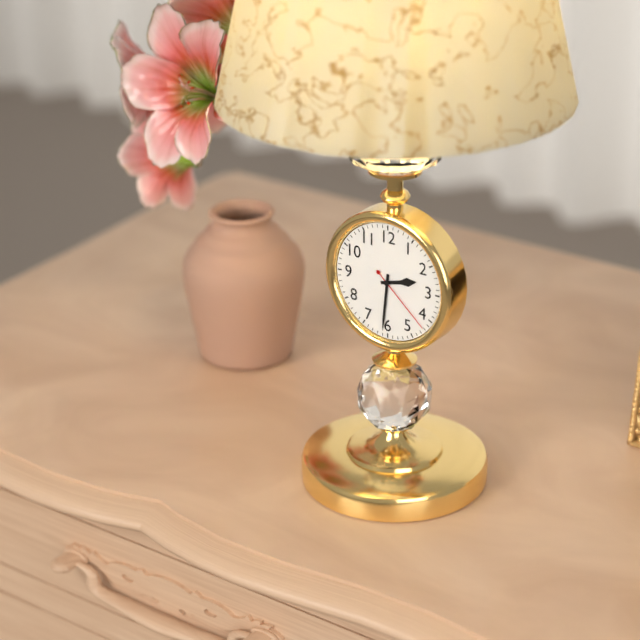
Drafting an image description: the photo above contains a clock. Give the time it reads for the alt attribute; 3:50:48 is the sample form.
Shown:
2:31:22
